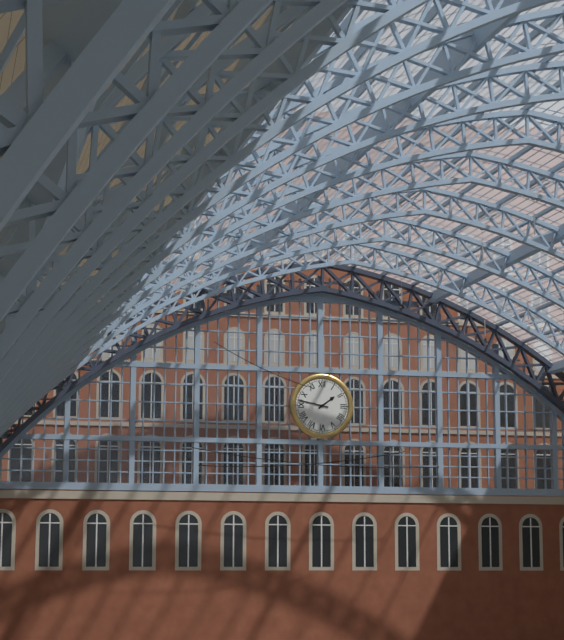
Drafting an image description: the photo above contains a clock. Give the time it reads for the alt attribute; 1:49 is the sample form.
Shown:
1:47
